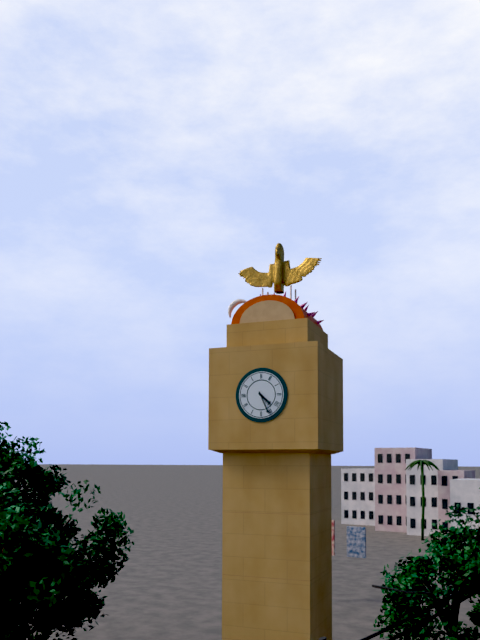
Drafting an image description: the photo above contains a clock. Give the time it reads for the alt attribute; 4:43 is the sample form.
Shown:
4:26
